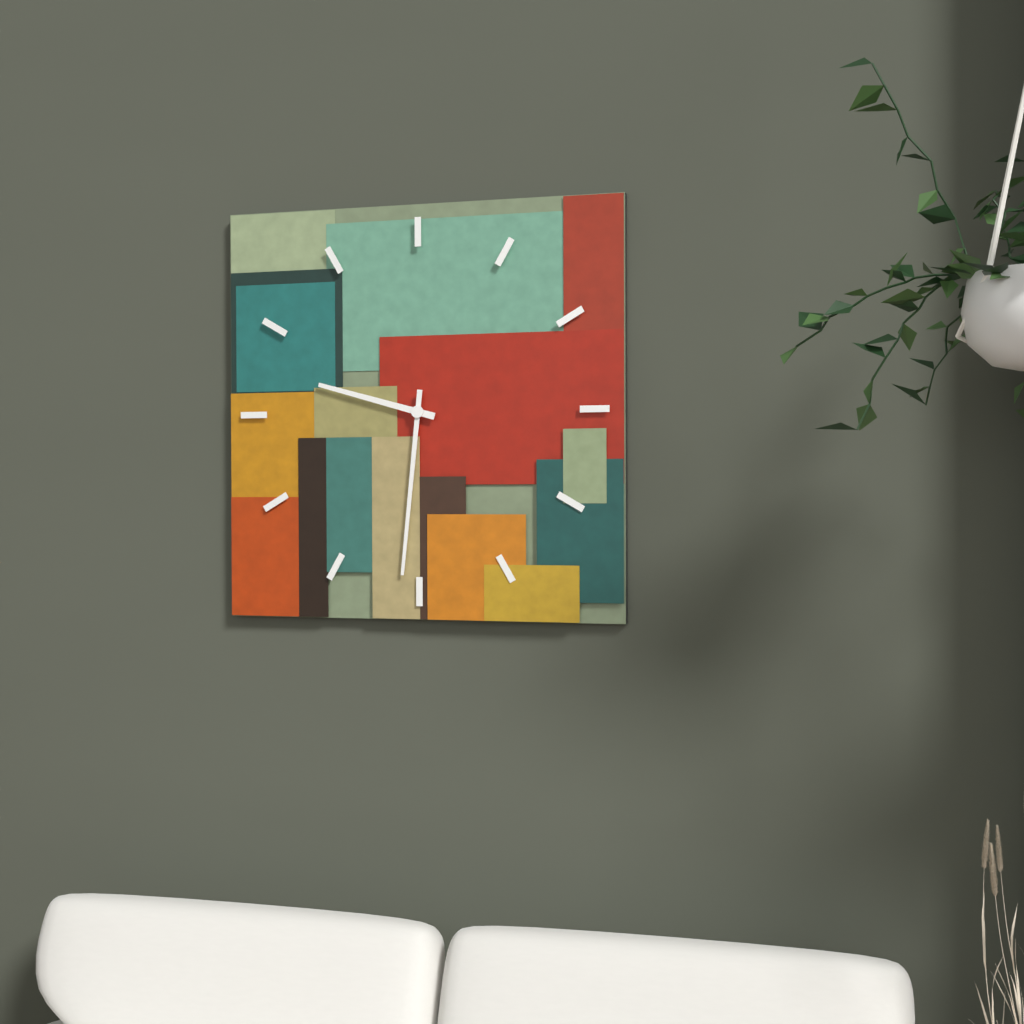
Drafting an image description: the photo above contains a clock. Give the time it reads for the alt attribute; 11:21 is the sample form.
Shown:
9:31
